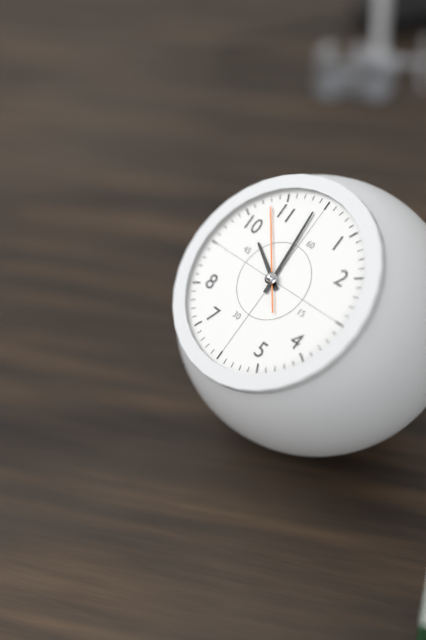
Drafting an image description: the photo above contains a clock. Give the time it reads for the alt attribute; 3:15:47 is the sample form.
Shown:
9:59:53
